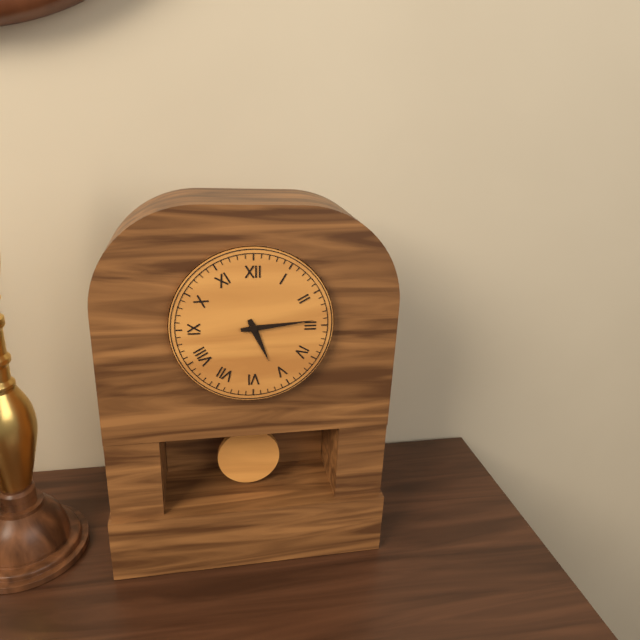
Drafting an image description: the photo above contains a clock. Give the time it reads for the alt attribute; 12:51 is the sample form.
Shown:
5:14
